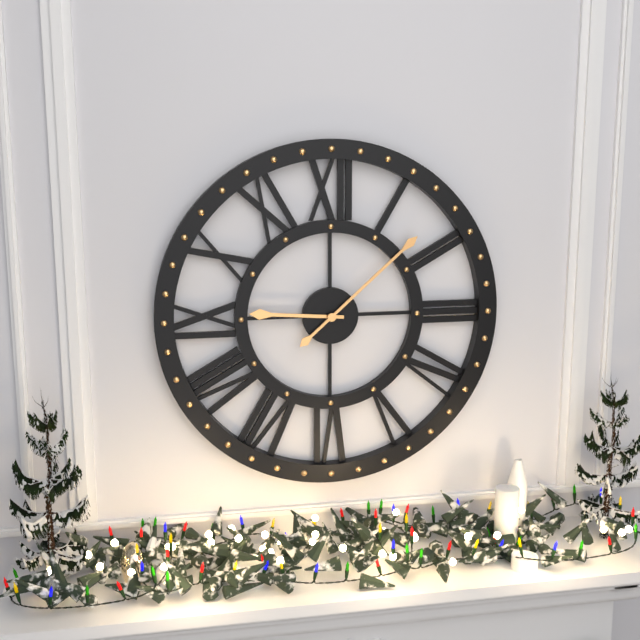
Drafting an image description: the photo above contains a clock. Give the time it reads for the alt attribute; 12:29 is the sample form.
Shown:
9:08
